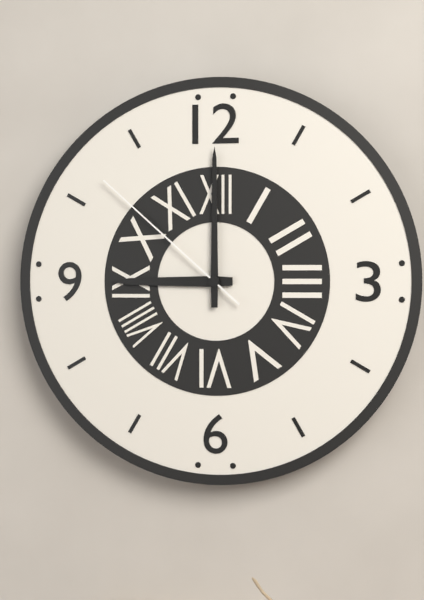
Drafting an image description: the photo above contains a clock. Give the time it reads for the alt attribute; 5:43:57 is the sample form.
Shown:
9:00:52
